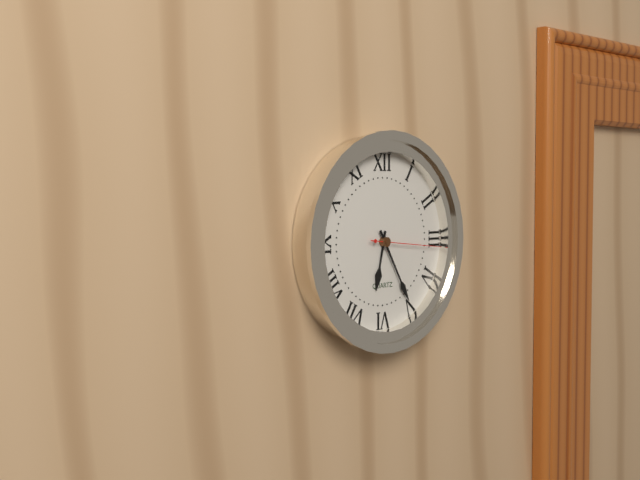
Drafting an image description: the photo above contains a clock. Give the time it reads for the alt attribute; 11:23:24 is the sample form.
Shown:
6:25:16
